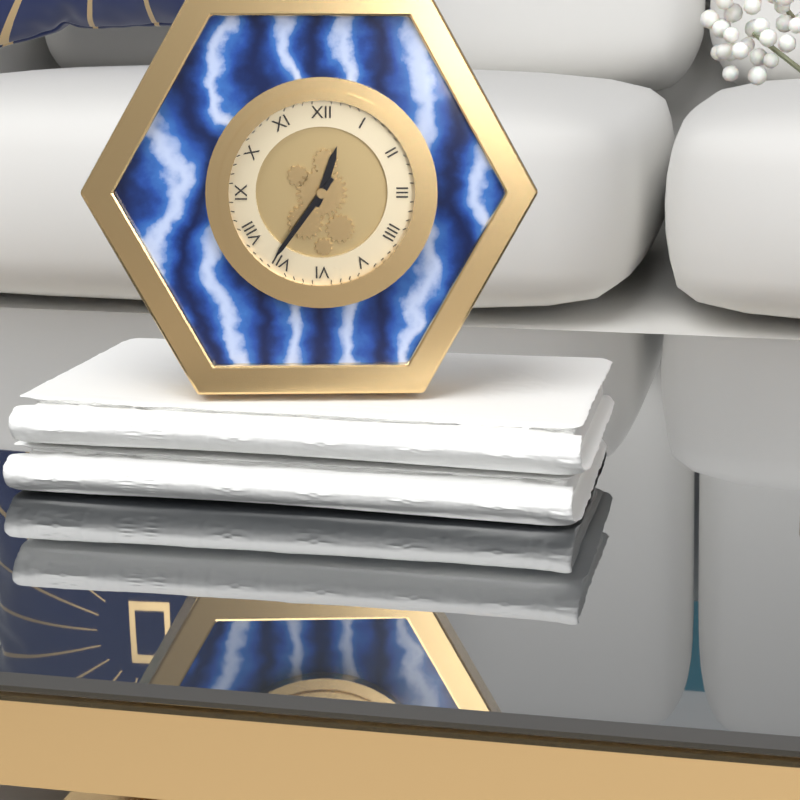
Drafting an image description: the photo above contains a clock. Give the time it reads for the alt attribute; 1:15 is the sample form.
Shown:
12:36
